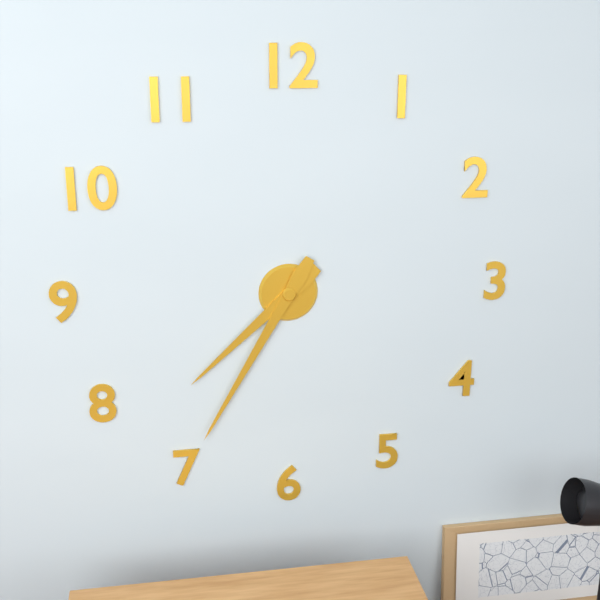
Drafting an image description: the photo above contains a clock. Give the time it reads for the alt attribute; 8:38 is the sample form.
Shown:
7:35
